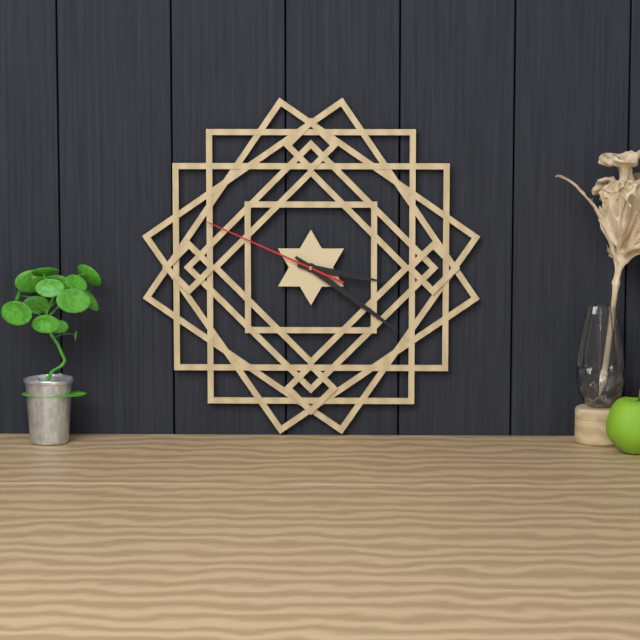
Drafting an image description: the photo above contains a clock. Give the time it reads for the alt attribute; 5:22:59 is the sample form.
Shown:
3:21:49
